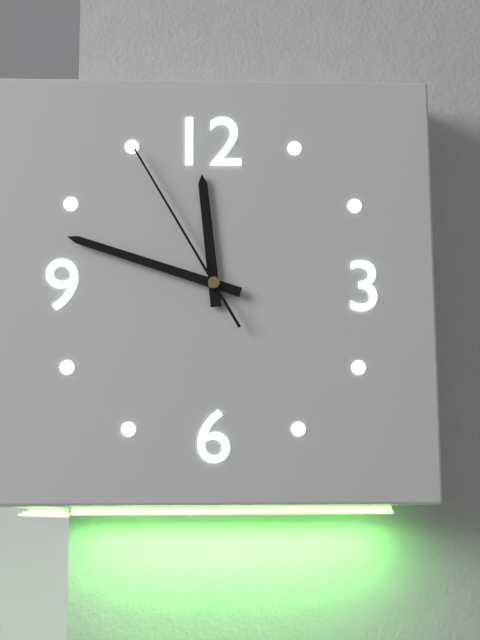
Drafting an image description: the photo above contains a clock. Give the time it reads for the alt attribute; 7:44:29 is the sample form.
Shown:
11:48:55
